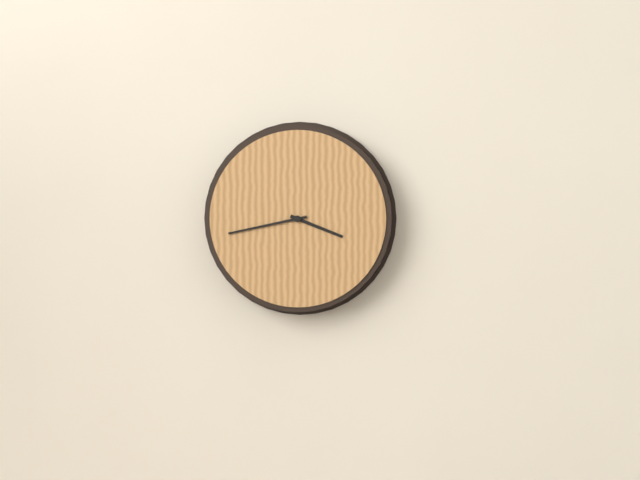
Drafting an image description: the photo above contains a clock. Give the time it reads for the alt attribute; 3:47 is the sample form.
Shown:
3:43
